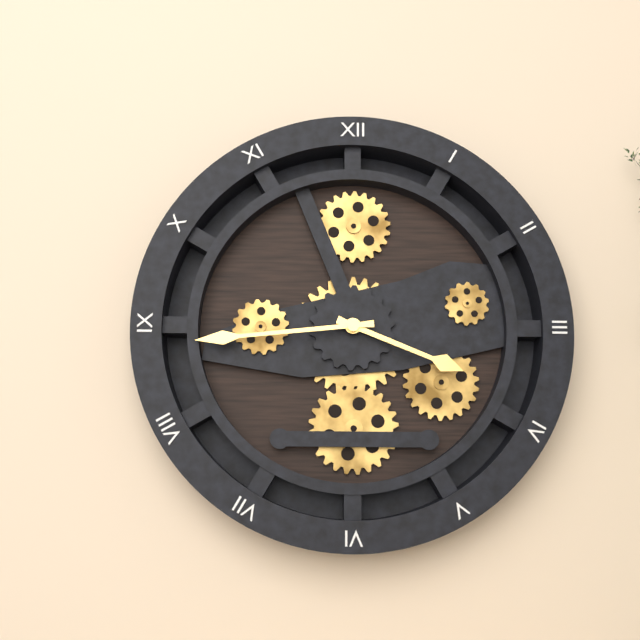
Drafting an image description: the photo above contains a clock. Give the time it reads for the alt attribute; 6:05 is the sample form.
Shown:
3:44
